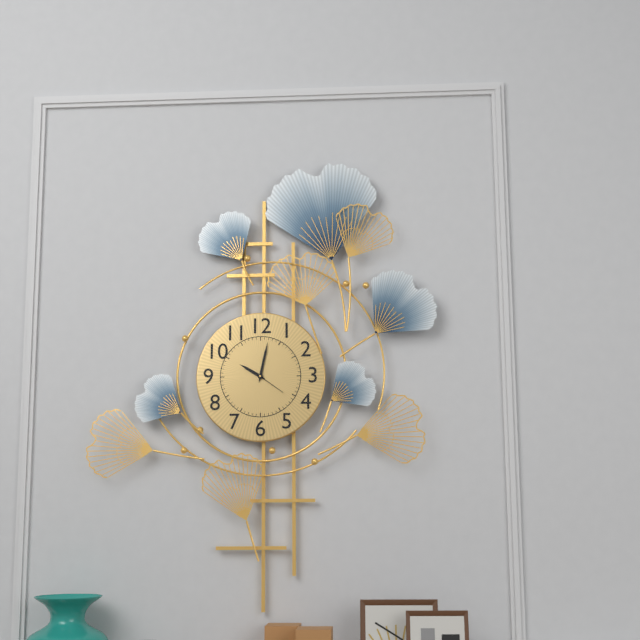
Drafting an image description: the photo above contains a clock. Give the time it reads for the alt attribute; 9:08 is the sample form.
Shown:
10:02
